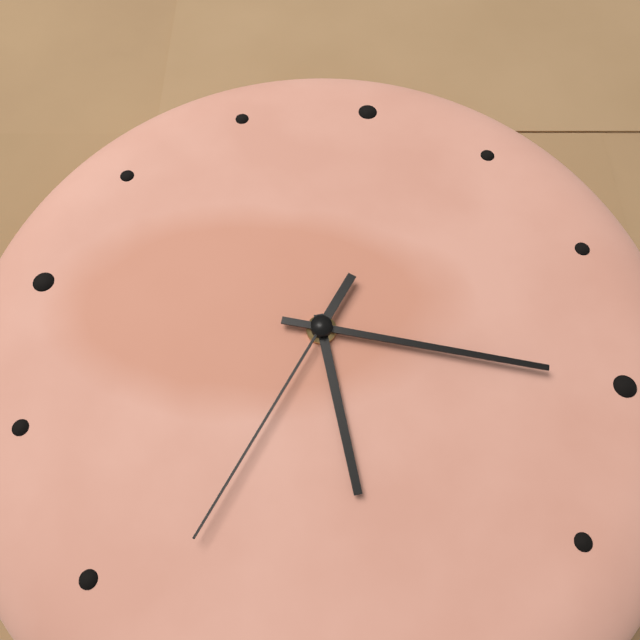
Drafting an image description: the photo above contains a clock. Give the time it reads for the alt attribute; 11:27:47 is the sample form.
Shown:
5:15:33
